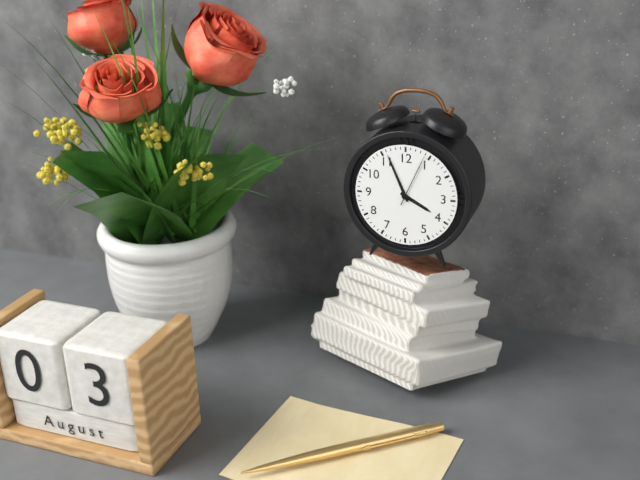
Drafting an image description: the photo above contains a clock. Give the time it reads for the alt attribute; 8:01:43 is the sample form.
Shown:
3:56:04
